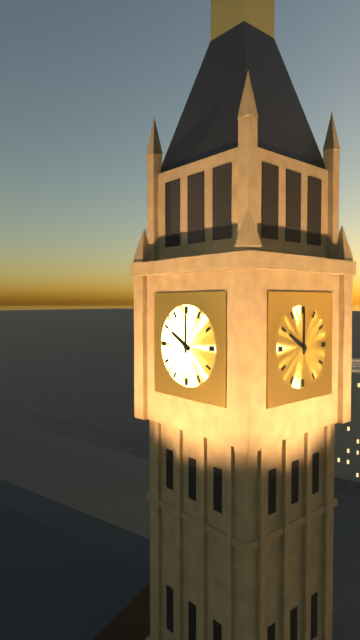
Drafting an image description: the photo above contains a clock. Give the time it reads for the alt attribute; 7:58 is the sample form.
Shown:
10:00
